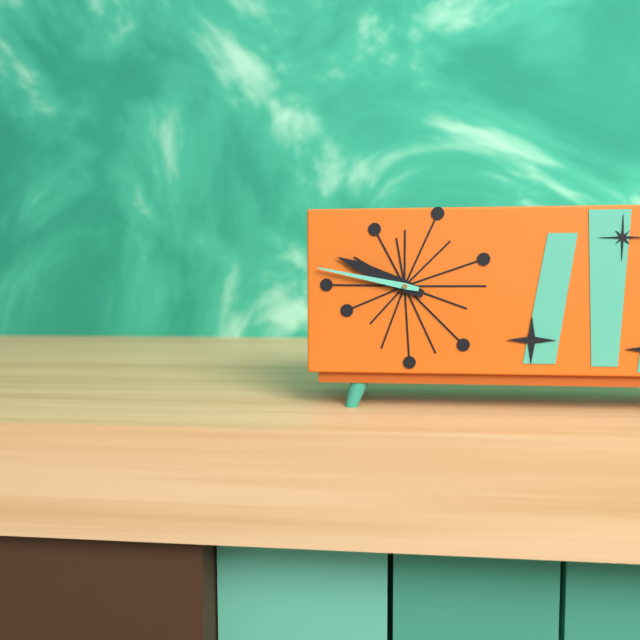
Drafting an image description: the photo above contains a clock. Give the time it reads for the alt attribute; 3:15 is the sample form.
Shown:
9:47
